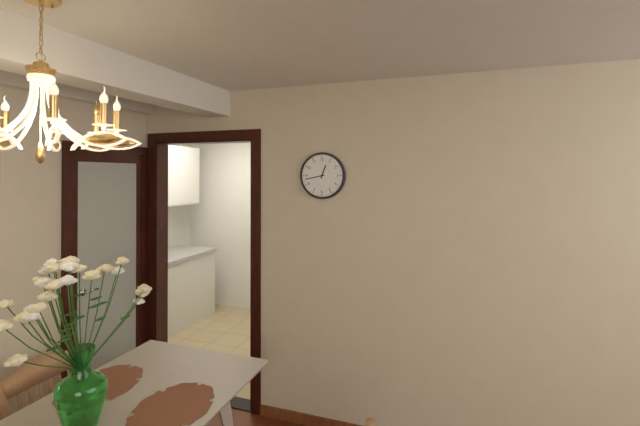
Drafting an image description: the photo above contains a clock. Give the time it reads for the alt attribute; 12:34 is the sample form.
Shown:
12:43
